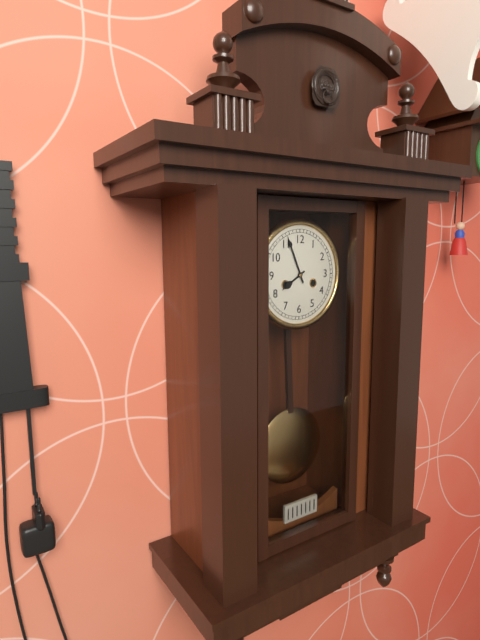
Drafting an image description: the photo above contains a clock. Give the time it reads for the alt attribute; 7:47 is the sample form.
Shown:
7:56
